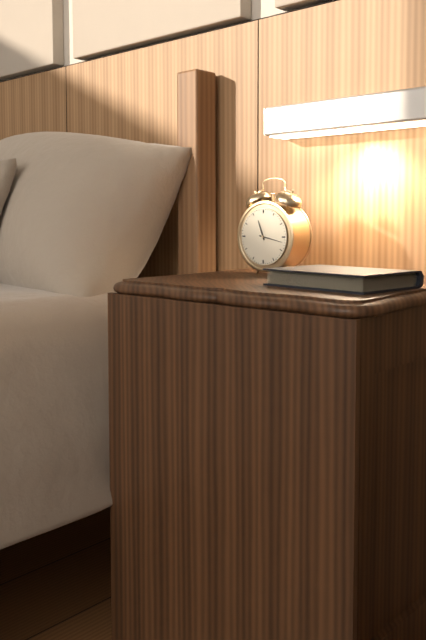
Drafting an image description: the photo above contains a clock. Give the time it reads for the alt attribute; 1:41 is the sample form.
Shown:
11:17
